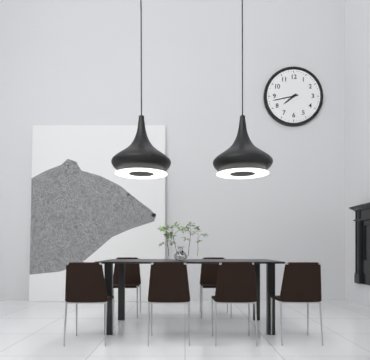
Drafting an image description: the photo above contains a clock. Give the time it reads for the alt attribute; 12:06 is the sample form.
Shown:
7:43
